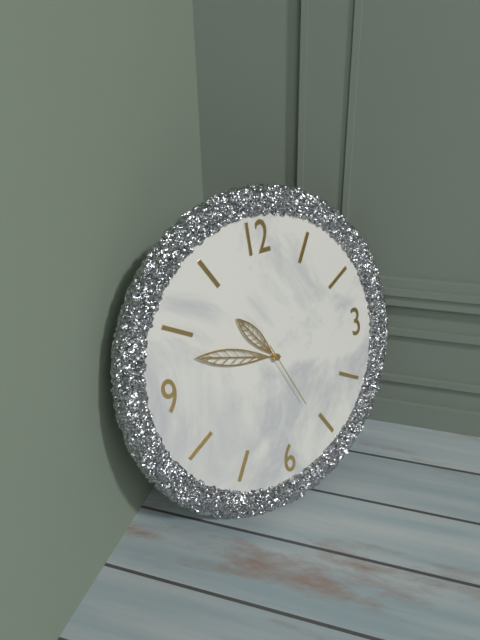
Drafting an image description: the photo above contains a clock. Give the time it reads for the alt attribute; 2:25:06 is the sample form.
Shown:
10:48:26
